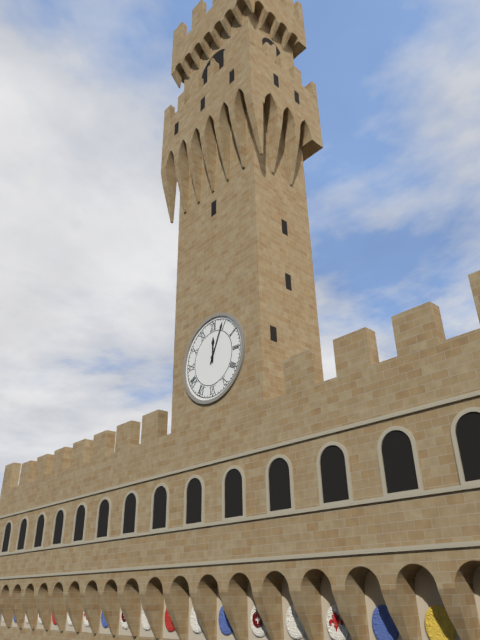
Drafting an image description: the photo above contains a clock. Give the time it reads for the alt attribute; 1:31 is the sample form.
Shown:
12:04
